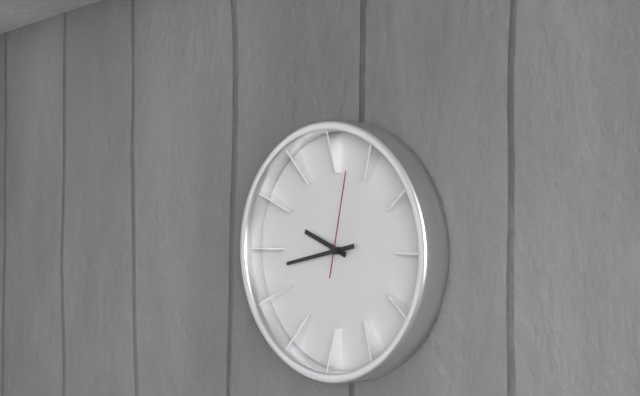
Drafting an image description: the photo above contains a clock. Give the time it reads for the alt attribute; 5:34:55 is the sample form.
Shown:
9:43:02
